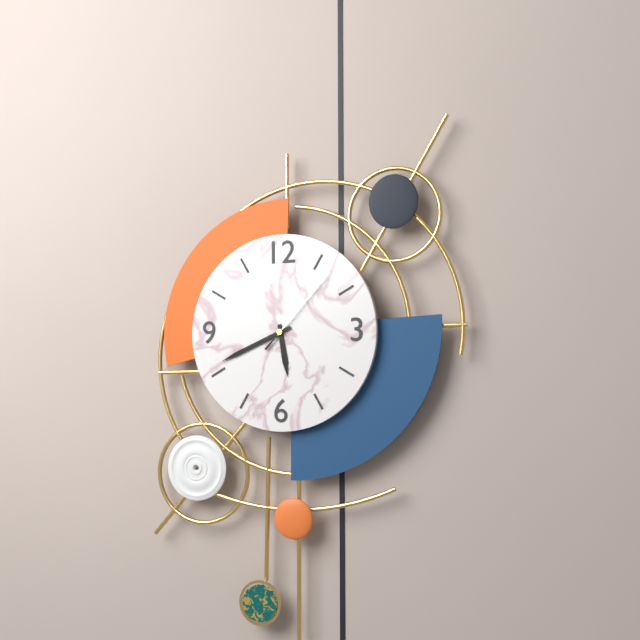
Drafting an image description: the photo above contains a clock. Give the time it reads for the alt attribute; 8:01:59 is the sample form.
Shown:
5:41:07
